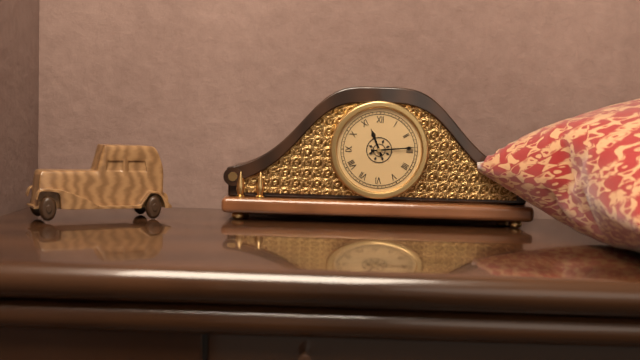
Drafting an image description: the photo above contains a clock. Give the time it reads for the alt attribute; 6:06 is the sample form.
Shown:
11:14
